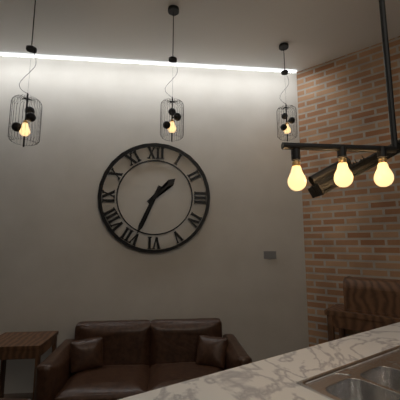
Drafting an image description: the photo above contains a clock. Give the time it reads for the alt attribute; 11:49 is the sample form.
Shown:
1:34
